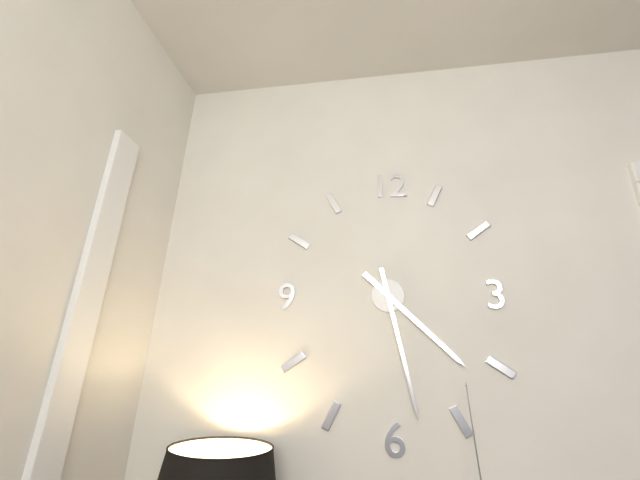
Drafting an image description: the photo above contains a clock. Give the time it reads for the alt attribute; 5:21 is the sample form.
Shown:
4:28
